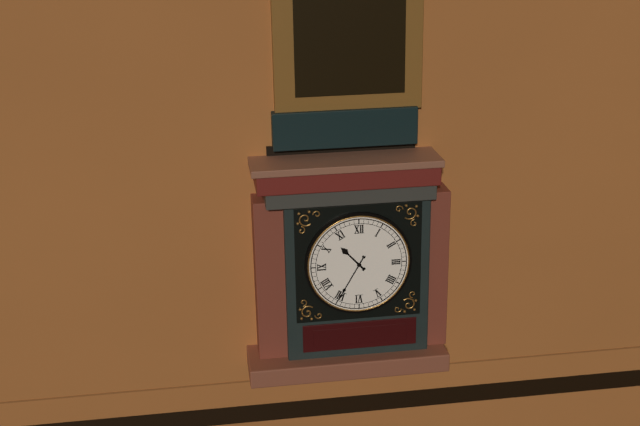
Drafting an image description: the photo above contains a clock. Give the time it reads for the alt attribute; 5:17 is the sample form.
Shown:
10:35
